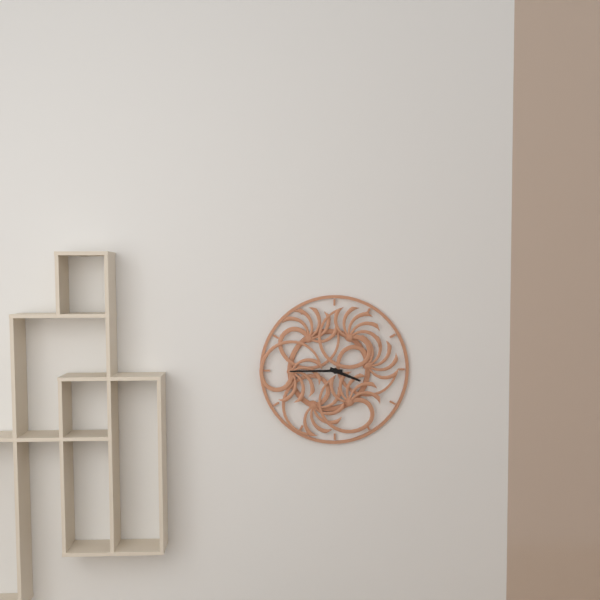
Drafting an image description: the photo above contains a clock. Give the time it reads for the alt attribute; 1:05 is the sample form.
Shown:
3:45
